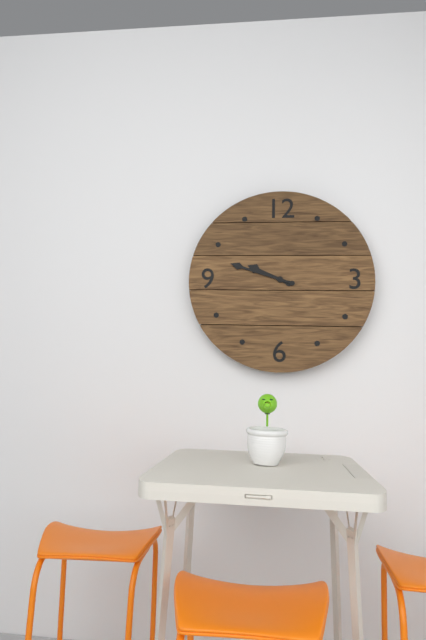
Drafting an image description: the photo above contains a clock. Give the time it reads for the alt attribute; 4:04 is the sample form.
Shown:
9:48
